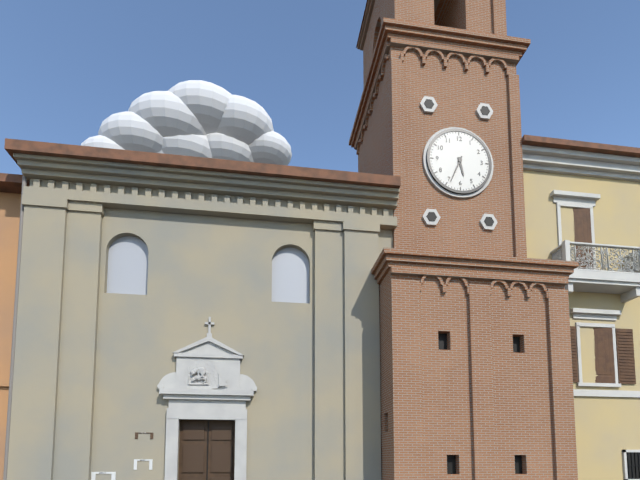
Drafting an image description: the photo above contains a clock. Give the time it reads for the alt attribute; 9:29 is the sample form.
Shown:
5:34
